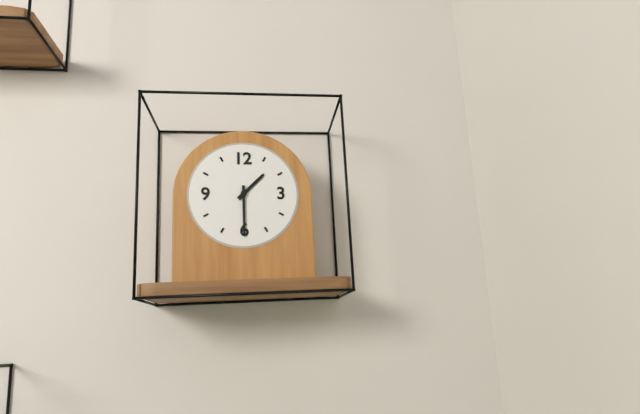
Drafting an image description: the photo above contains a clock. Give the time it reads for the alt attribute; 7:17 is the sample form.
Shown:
1:30
